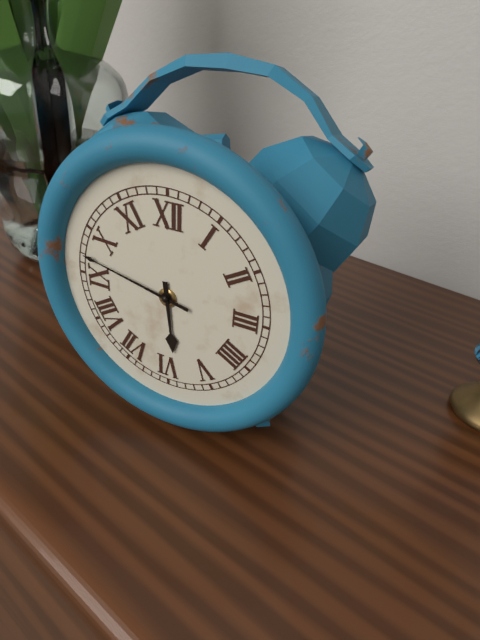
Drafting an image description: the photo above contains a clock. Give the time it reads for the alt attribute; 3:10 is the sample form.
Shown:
5:47
